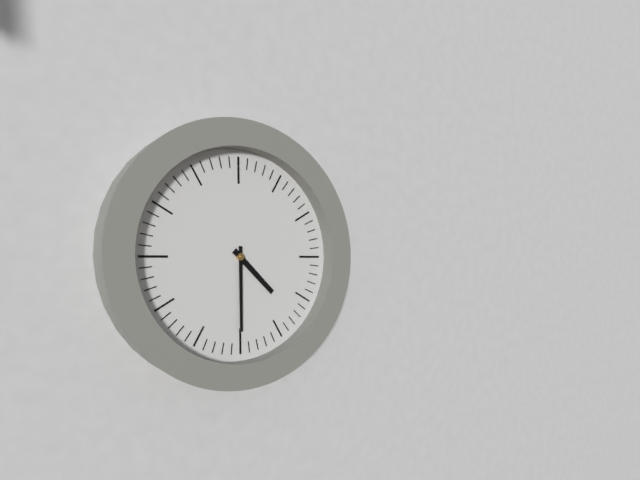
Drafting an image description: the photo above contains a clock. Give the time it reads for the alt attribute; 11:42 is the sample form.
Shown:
4:30
